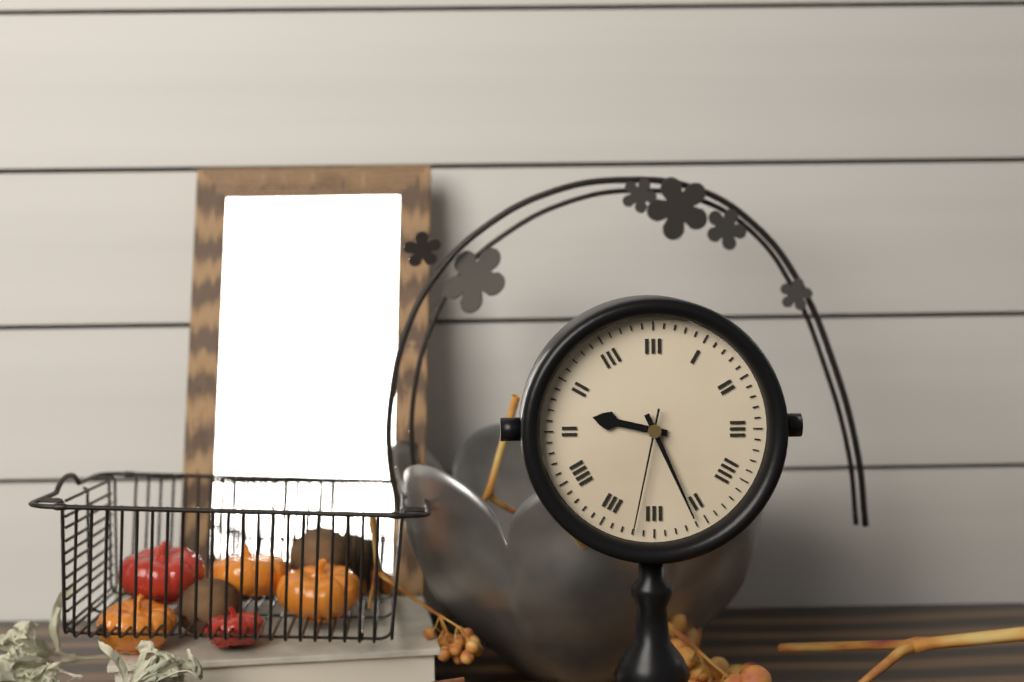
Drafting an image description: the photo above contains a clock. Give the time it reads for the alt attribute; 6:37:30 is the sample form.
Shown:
9:26:32
